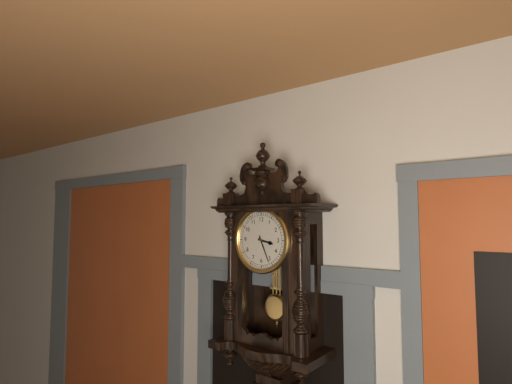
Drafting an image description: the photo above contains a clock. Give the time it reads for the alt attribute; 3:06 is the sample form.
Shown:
3:26
